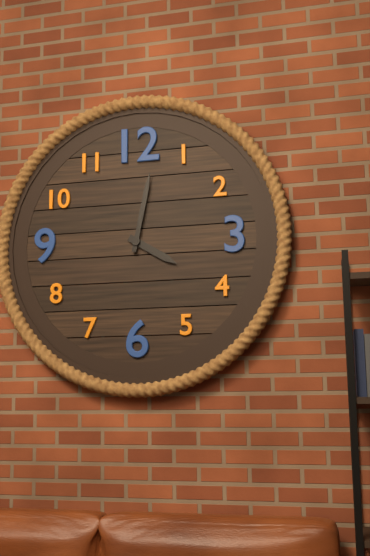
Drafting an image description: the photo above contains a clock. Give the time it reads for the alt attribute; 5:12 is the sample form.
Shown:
4:02
